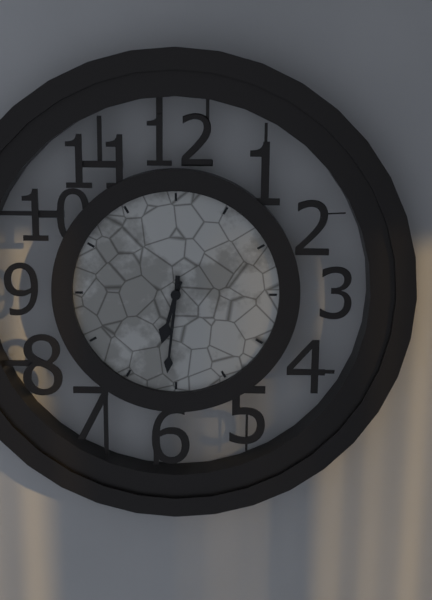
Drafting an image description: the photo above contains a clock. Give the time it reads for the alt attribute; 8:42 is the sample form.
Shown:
6:31
